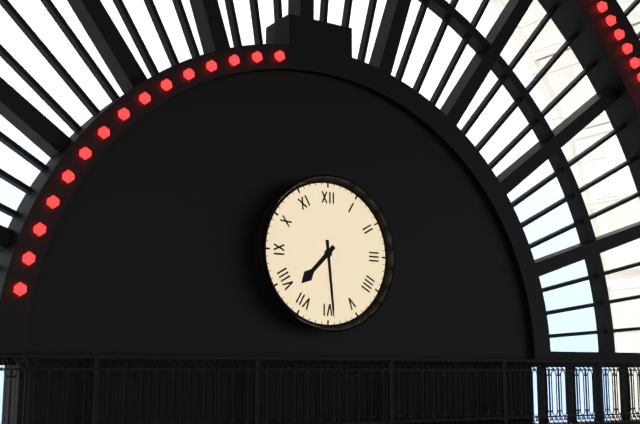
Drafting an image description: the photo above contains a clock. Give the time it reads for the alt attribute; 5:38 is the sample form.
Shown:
7:29
